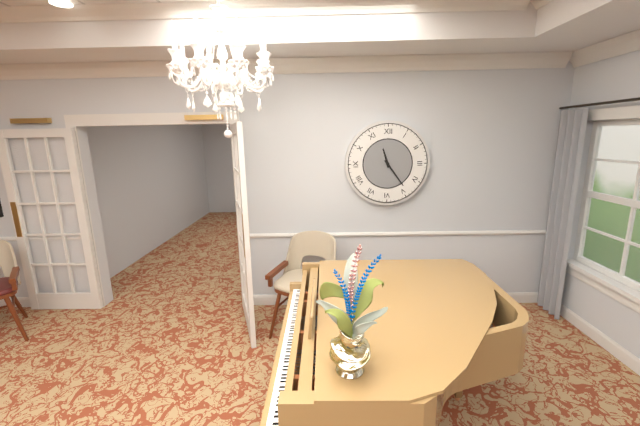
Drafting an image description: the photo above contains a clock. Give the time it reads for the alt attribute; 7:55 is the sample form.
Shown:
11:24
